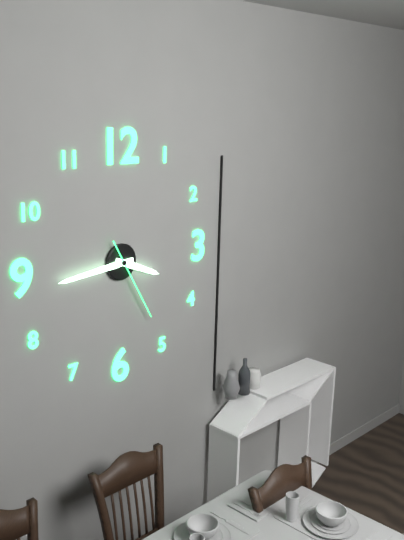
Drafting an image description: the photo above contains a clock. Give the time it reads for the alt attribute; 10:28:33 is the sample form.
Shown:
3:44:25
